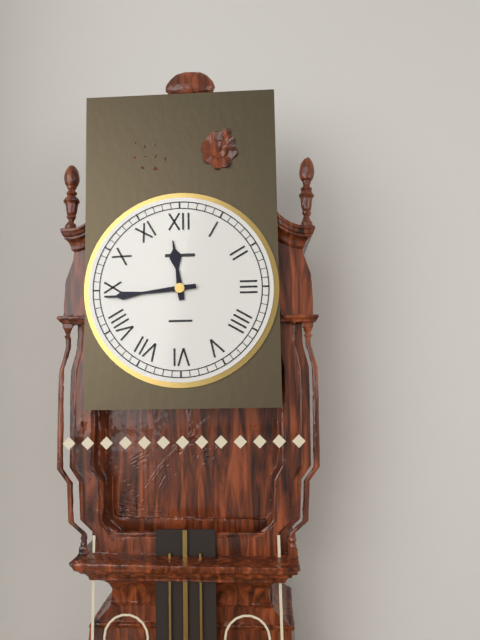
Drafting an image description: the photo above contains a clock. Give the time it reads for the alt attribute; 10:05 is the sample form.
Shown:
11:44
